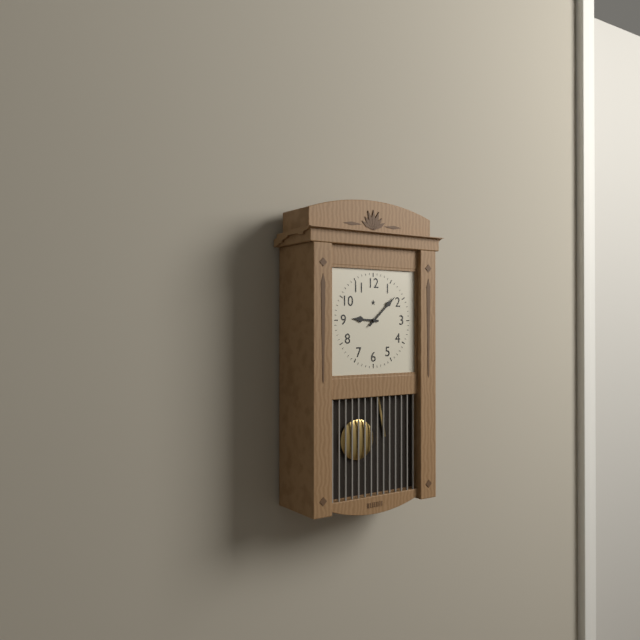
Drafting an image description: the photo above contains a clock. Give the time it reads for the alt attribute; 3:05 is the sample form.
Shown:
9:08
